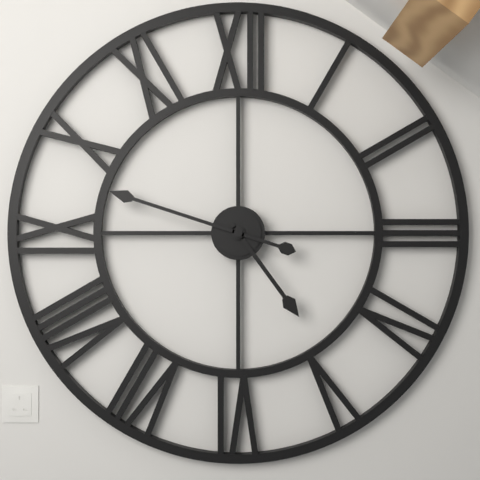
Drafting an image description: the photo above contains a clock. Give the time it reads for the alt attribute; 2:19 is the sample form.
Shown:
4:48
